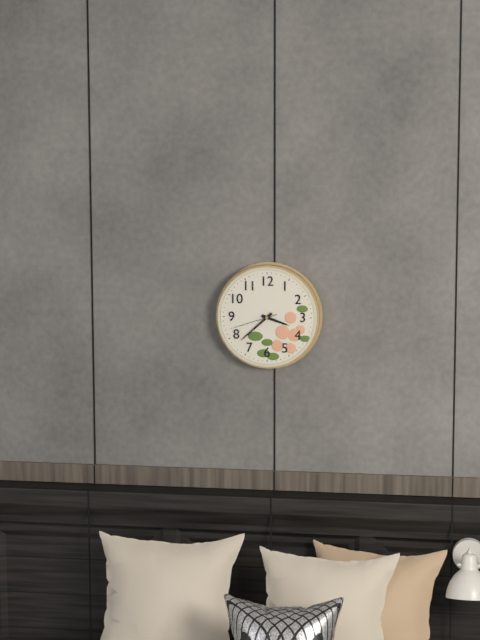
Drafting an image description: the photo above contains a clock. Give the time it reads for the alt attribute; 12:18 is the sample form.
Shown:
3:38
